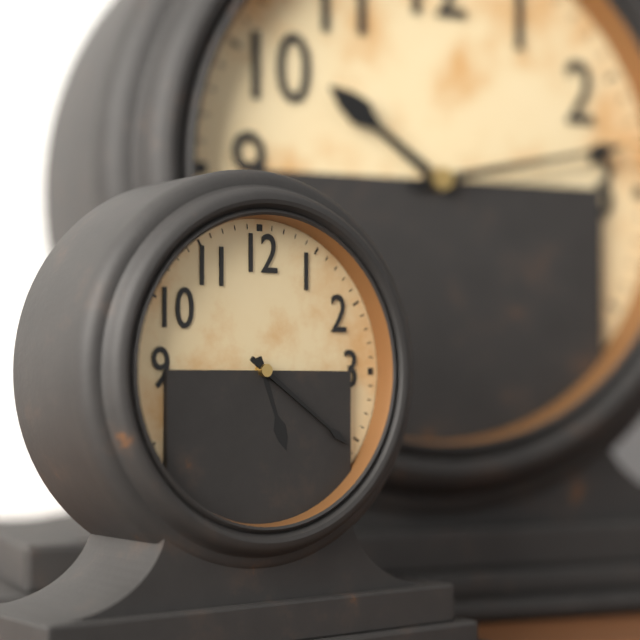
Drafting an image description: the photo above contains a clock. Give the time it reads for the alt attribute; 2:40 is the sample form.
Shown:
5:21
